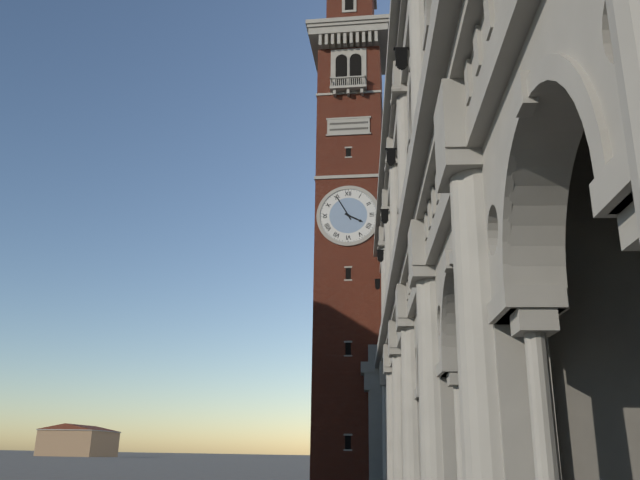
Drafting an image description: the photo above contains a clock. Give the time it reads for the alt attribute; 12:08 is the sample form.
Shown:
3:55
